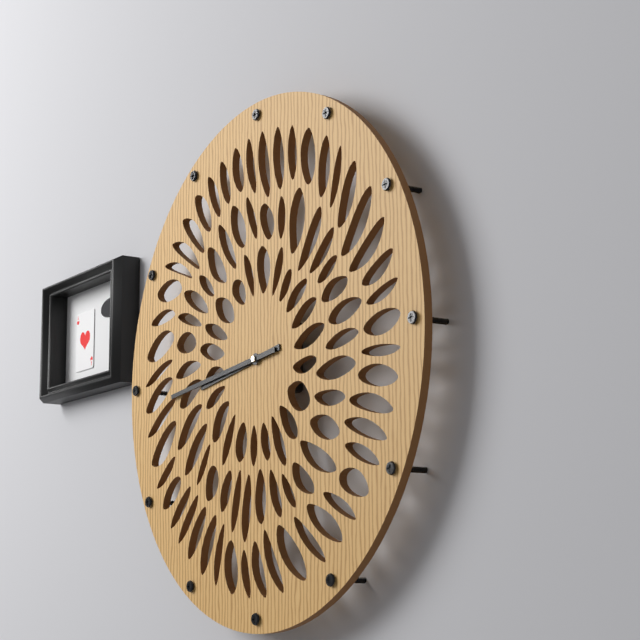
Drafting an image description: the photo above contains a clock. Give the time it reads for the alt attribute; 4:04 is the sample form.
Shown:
8:44
